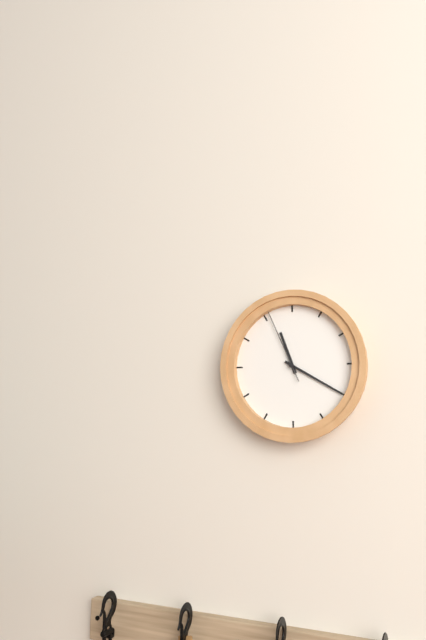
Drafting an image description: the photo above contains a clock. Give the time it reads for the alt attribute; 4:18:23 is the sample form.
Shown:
11:20:56
